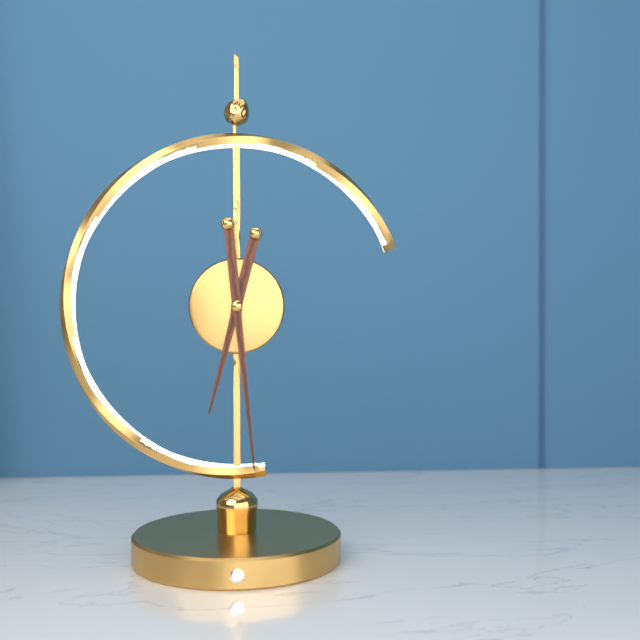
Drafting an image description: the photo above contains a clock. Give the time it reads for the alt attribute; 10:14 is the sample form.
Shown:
6:29
